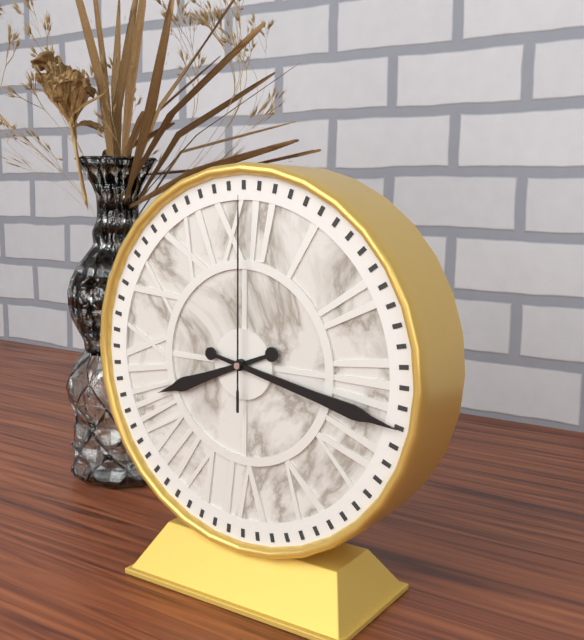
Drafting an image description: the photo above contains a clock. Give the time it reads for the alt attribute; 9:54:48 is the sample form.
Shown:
8:17:00
